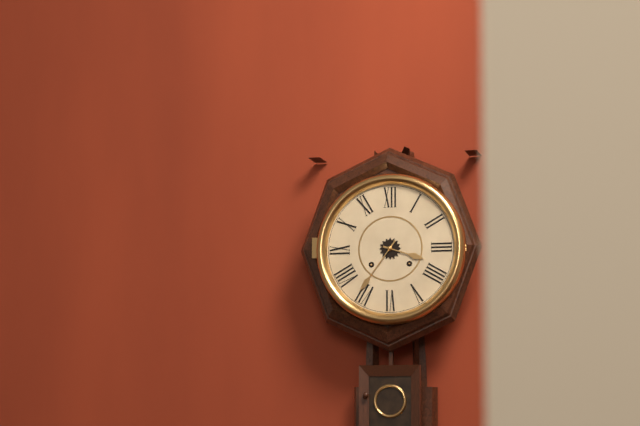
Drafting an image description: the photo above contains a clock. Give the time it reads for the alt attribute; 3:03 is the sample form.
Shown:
3:36
